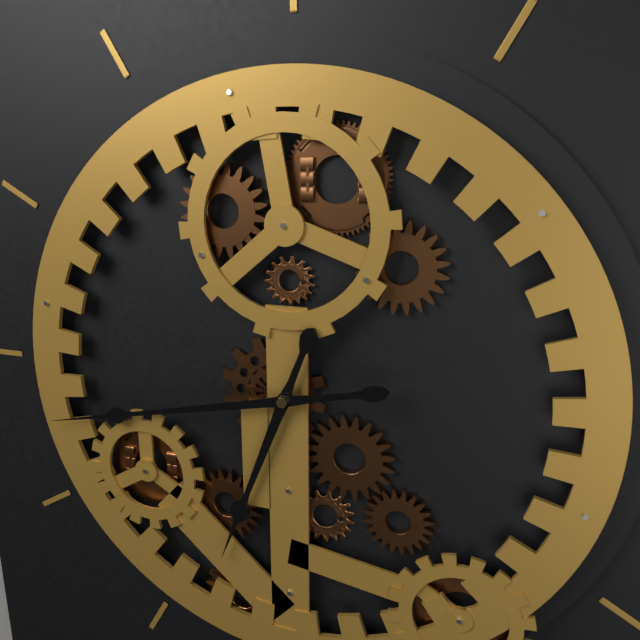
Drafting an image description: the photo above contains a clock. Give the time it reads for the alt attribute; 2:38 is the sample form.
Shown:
6:43
